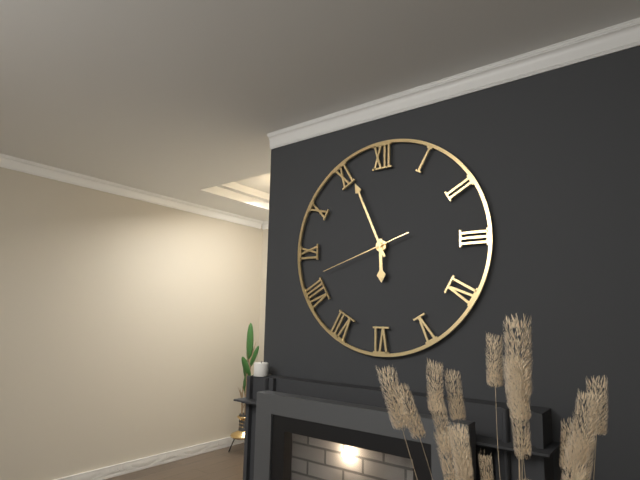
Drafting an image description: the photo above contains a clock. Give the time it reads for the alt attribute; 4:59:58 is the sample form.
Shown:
5:56:42
